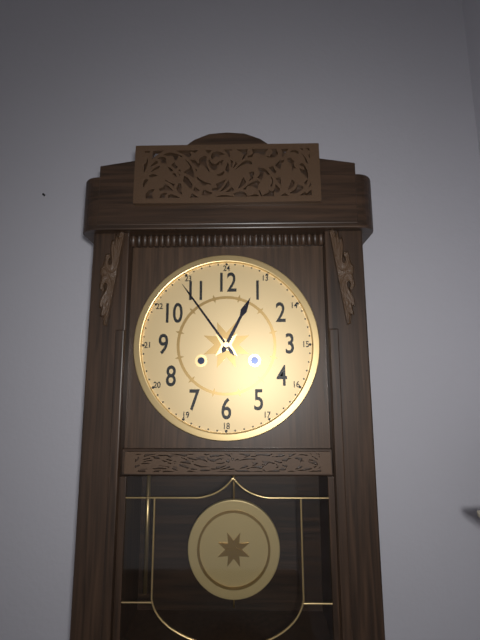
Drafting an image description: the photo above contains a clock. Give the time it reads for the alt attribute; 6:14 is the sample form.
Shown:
12:54
